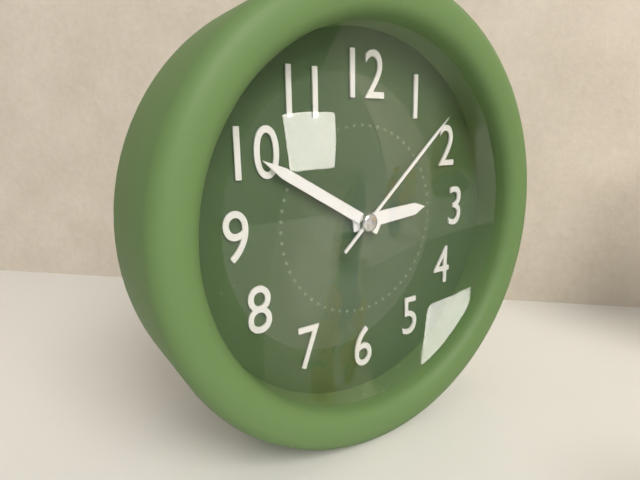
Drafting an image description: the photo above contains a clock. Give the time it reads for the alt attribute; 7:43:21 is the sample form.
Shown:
2:50:08
